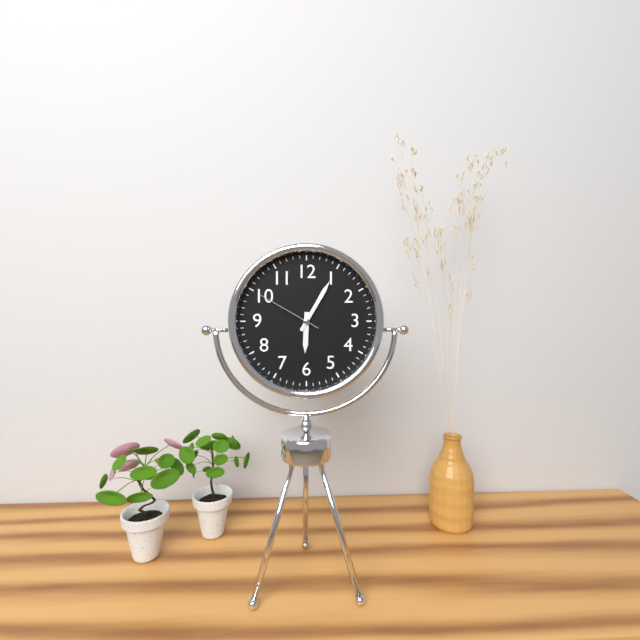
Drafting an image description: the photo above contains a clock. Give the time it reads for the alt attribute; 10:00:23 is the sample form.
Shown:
6:05:50
